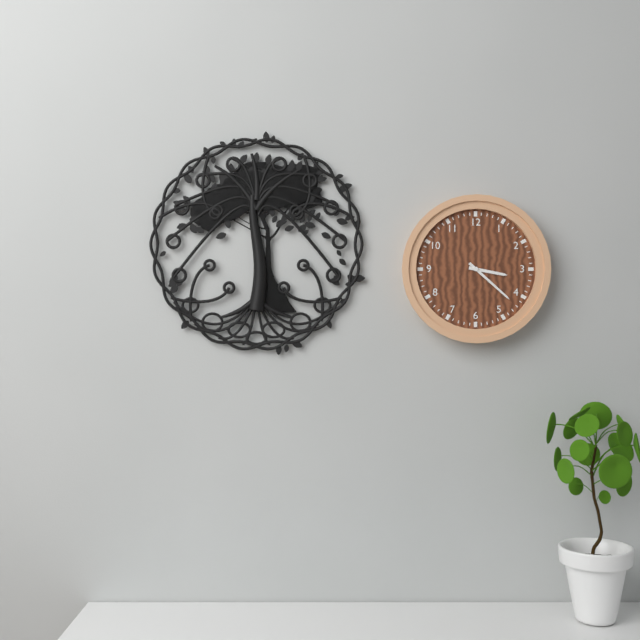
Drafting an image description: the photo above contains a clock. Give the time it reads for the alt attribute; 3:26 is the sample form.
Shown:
3:22
